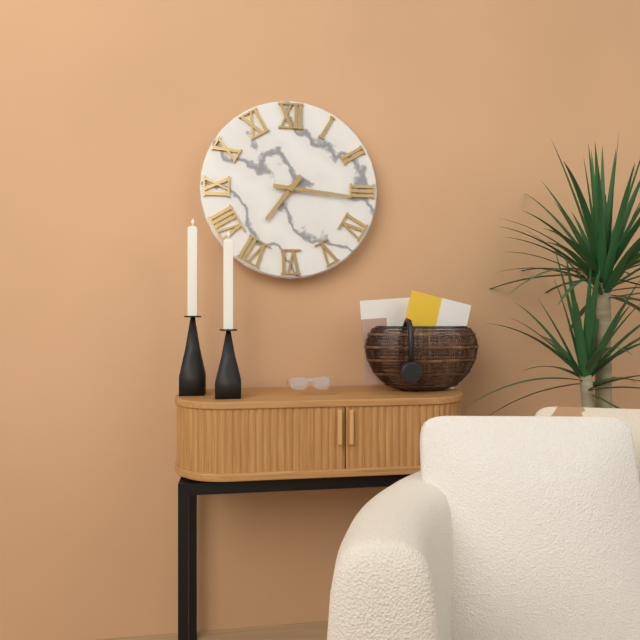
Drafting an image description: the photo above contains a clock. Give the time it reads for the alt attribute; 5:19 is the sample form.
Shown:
7:16
